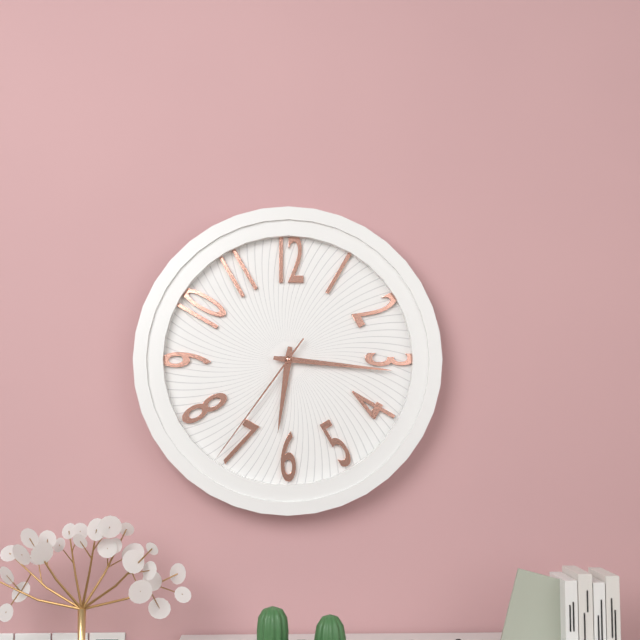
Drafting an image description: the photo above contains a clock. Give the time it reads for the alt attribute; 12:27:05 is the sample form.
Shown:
6:16:36
